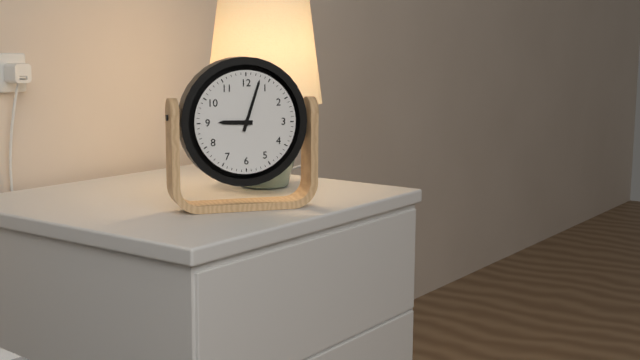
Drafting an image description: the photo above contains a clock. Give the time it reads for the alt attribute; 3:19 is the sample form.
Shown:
9:03
